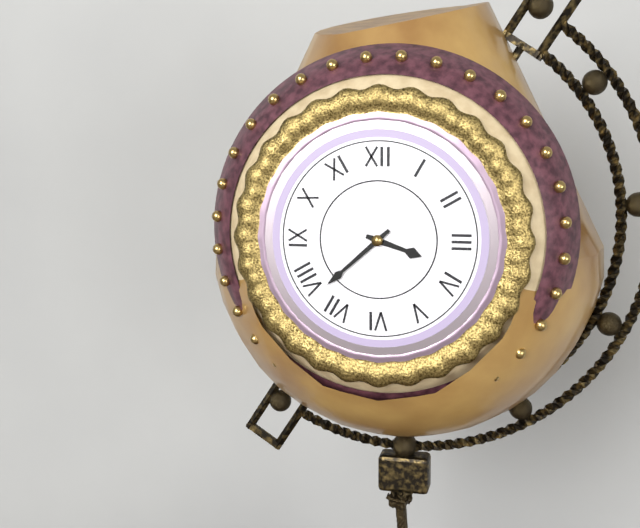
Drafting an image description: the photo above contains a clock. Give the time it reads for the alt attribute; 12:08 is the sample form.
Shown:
3:38
